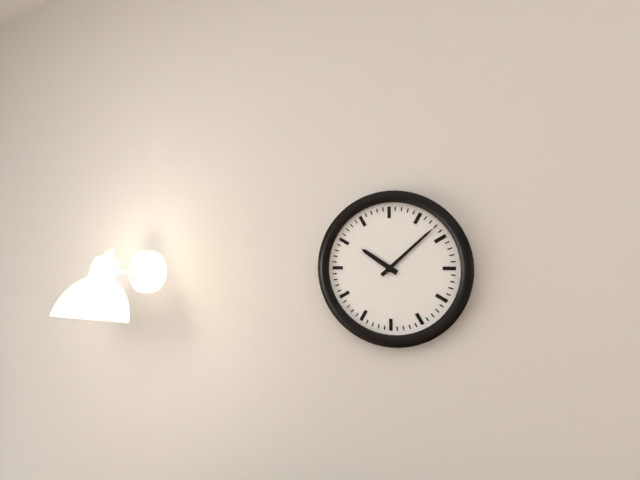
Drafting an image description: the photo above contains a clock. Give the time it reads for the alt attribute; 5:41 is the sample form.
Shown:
10:08
